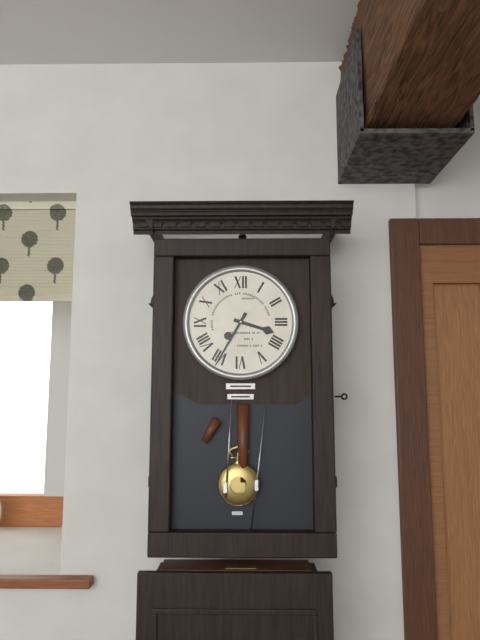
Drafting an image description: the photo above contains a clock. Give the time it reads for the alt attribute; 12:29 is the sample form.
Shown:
3:35
